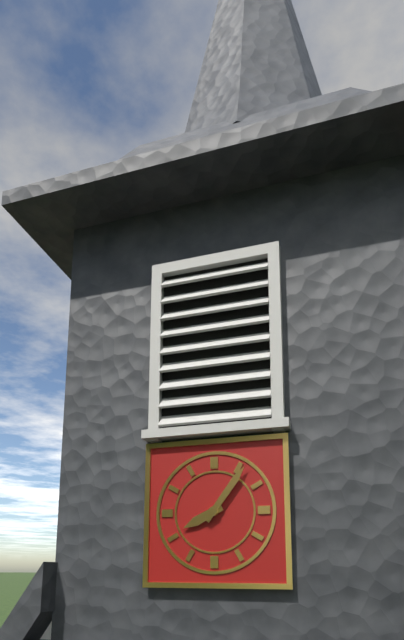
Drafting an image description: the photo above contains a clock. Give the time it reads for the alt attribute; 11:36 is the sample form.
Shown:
8:06
